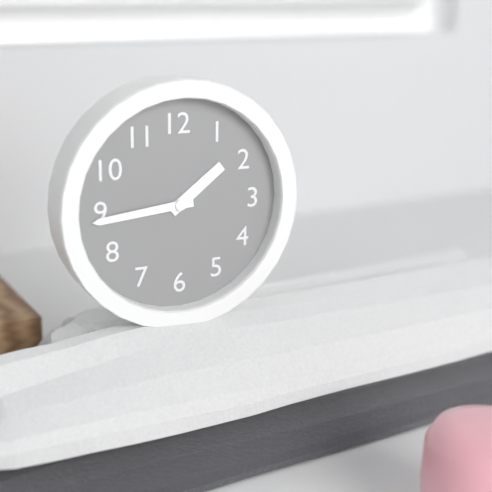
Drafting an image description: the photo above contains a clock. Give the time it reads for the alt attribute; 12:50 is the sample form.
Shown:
1:44
